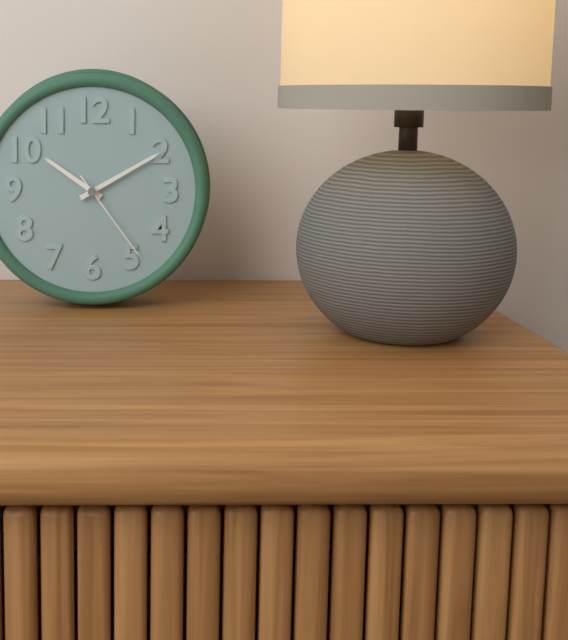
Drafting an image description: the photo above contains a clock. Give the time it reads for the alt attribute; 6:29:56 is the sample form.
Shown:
10:10:24
